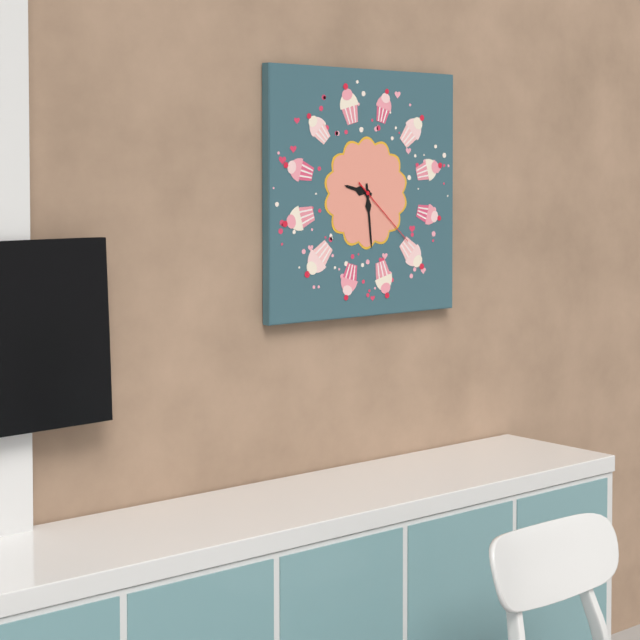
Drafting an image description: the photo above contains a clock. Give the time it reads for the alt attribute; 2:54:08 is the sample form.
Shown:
9:29:22
